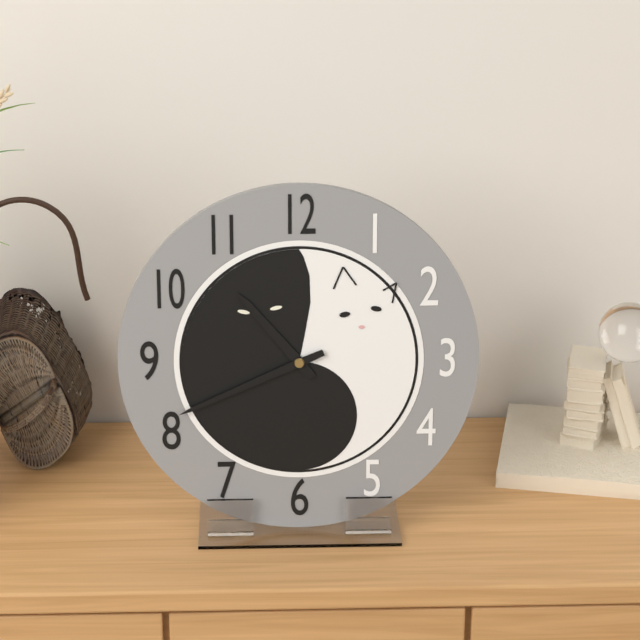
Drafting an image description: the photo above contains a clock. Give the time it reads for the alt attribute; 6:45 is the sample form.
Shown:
10:41
